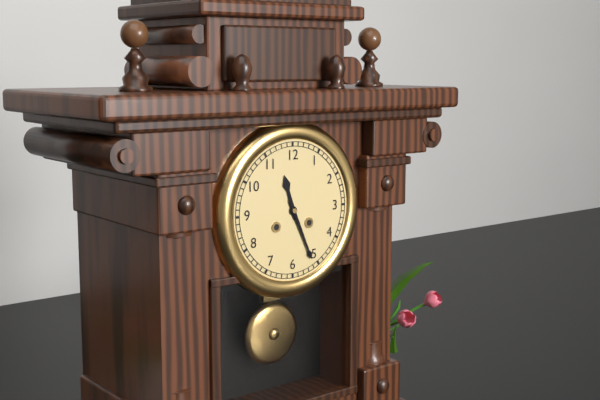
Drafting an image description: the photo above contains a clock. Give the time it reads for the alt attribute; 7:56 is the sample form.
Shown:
11:26
